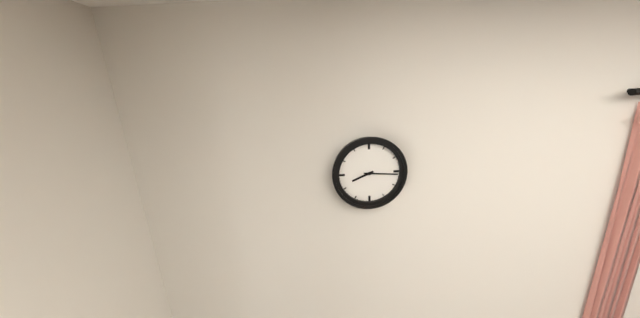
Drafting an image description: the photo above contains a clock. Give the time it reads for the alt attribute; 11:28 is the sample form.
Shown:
8:16
